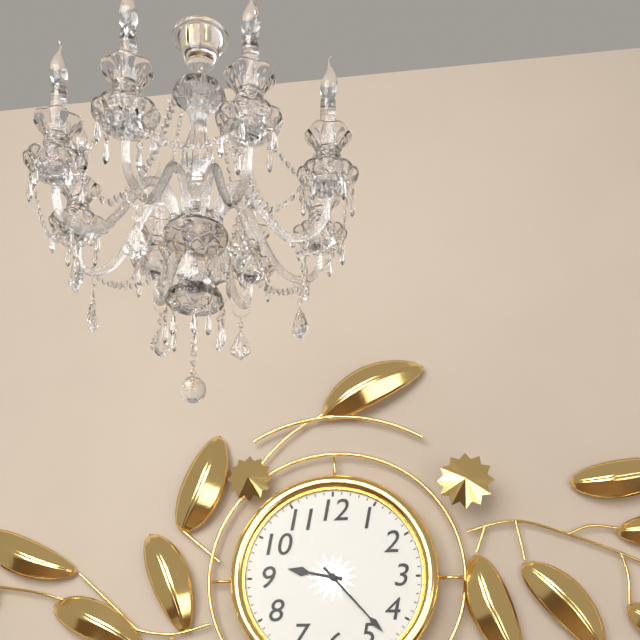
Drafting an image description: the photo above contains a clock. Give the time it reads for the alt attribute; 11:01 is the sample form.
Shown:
9:23
